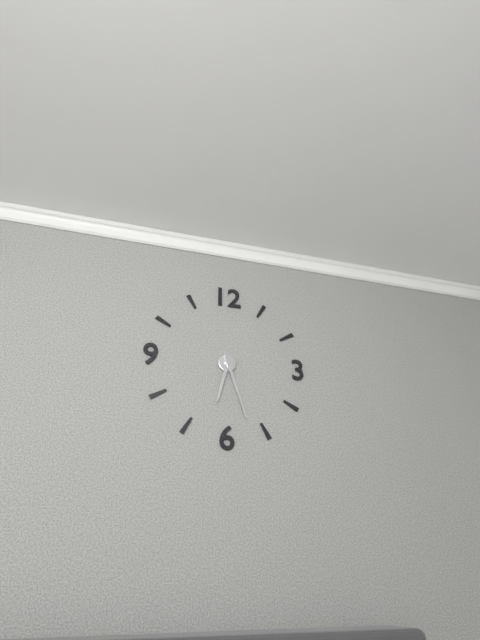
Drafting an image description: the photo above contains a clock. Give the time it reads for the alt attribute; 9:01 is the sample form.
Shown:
6:27
